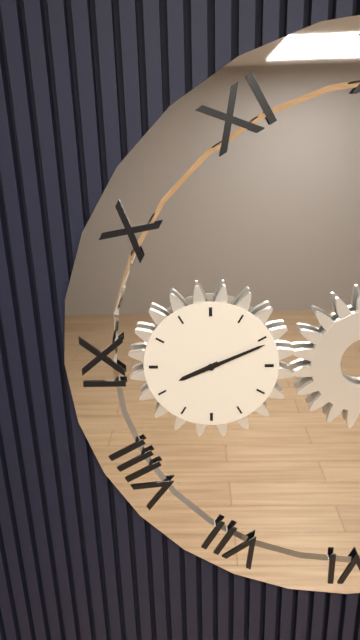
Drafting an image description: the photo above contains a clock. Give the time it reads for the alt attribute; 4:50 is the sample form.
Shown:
8:11
